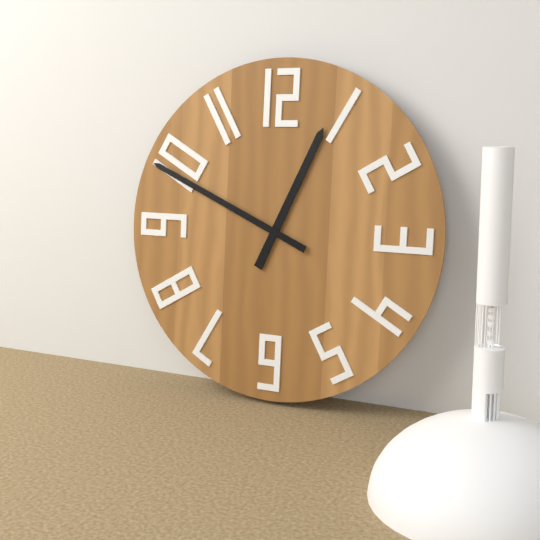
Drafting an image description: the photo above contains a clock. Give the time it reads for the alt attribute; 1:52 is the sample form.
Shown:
12:49
